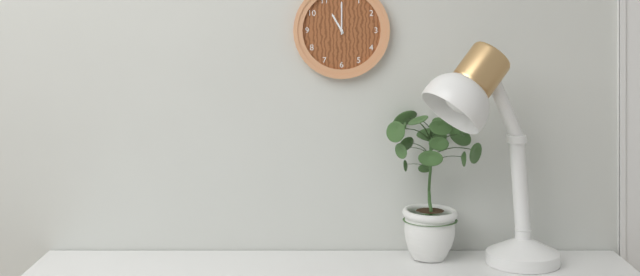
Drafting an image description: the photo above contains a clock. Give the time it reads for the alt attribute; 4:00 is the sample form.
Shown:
11:00
